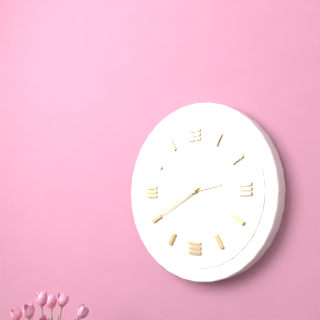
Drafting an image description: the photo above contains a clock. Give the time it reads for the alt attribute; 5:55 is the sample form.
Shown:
2:40
